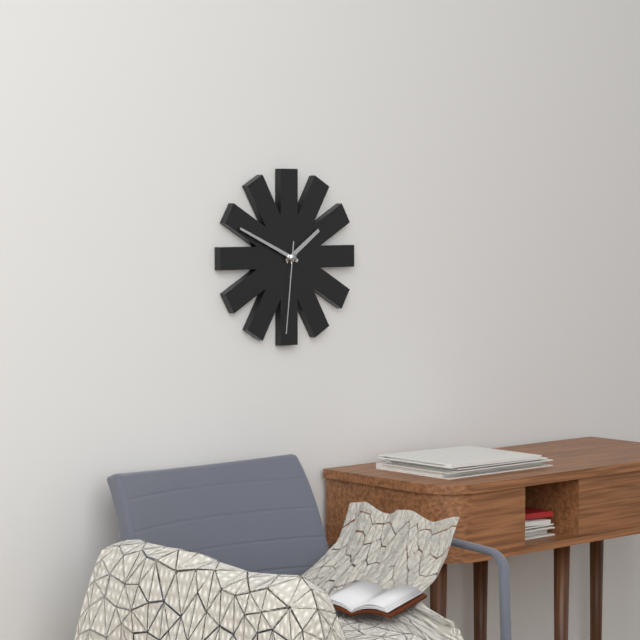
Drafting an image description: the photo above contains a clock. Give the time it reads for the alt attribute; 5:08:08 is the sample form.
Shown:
1:49:31
